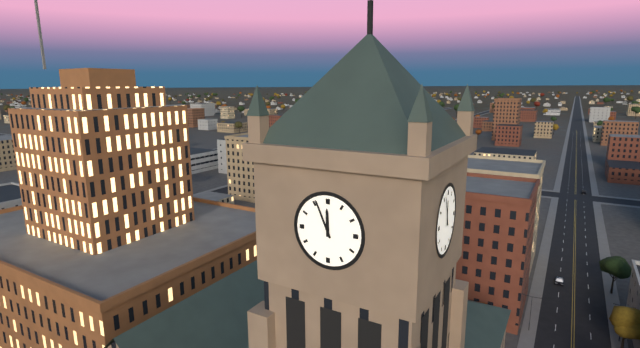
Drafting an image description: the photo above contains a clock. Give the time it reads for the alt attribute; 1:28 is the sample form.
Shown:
11:56
